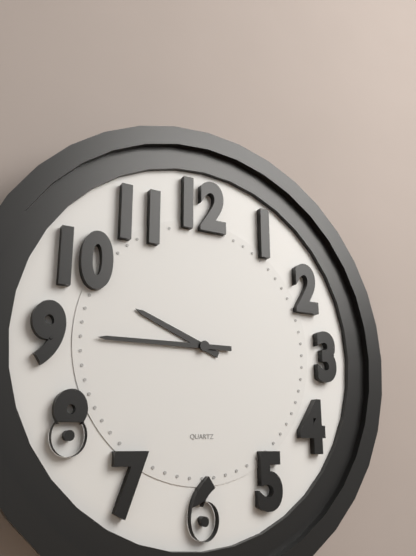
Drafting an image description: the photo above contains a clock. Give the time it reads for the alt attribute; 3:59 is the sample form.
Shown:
9:45
